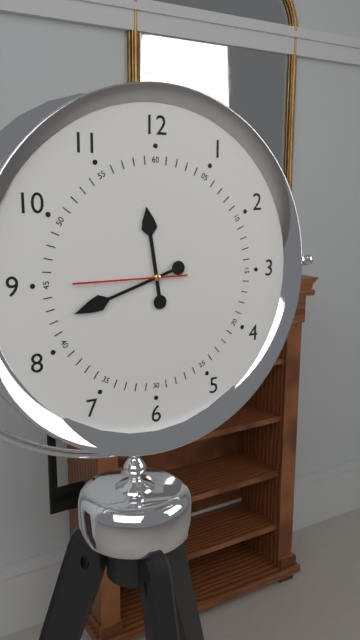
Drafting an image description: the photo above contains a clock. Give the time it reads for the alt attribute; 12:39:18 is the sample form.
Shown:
11:42:45
